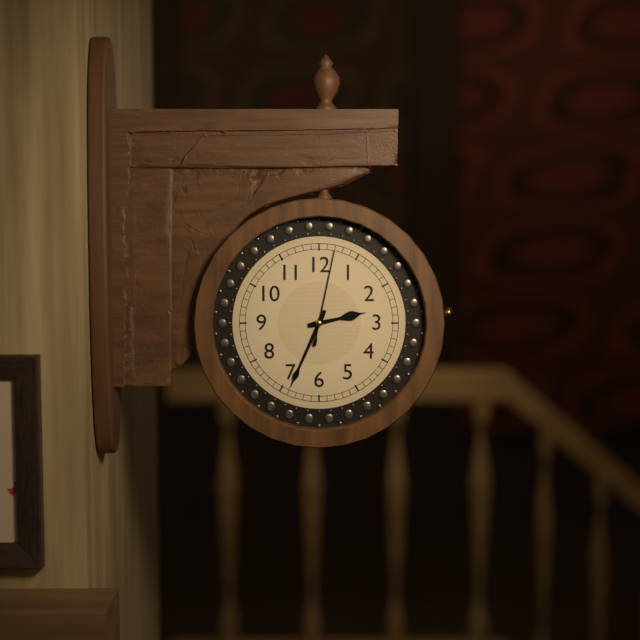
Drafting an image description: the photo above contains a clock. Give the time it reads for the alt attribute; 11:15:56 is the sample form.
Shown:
2:34:02
